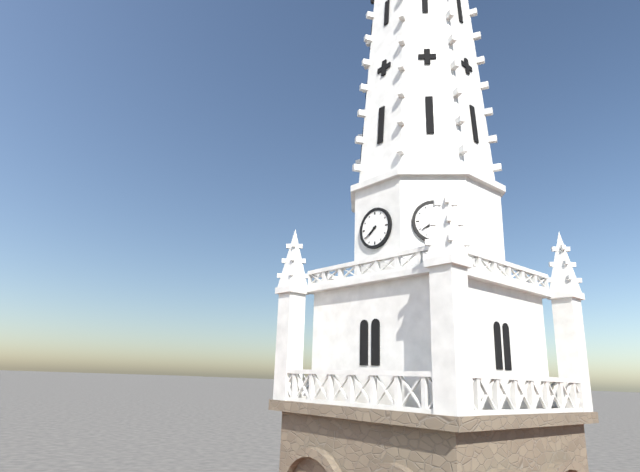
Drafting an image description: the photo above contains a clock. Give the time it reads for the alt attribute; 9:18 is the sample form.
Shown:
7:39
